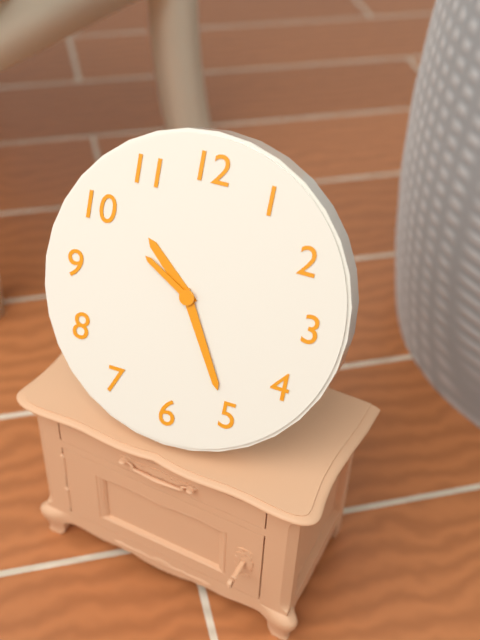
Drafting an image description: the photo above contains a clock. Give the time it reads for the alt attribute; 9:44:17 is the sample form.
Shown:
10:25:50
